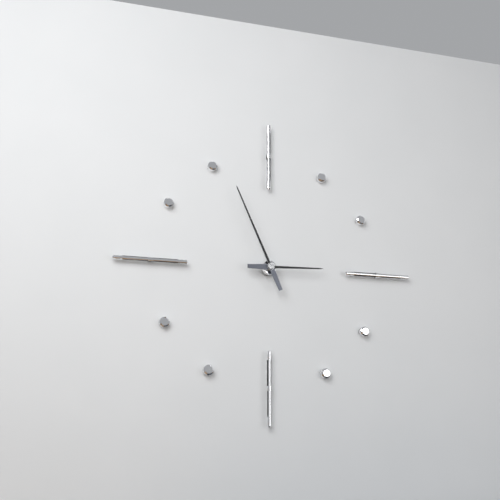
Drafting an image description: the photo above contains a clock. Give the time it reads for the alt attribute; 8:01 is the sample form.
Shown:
2:56
